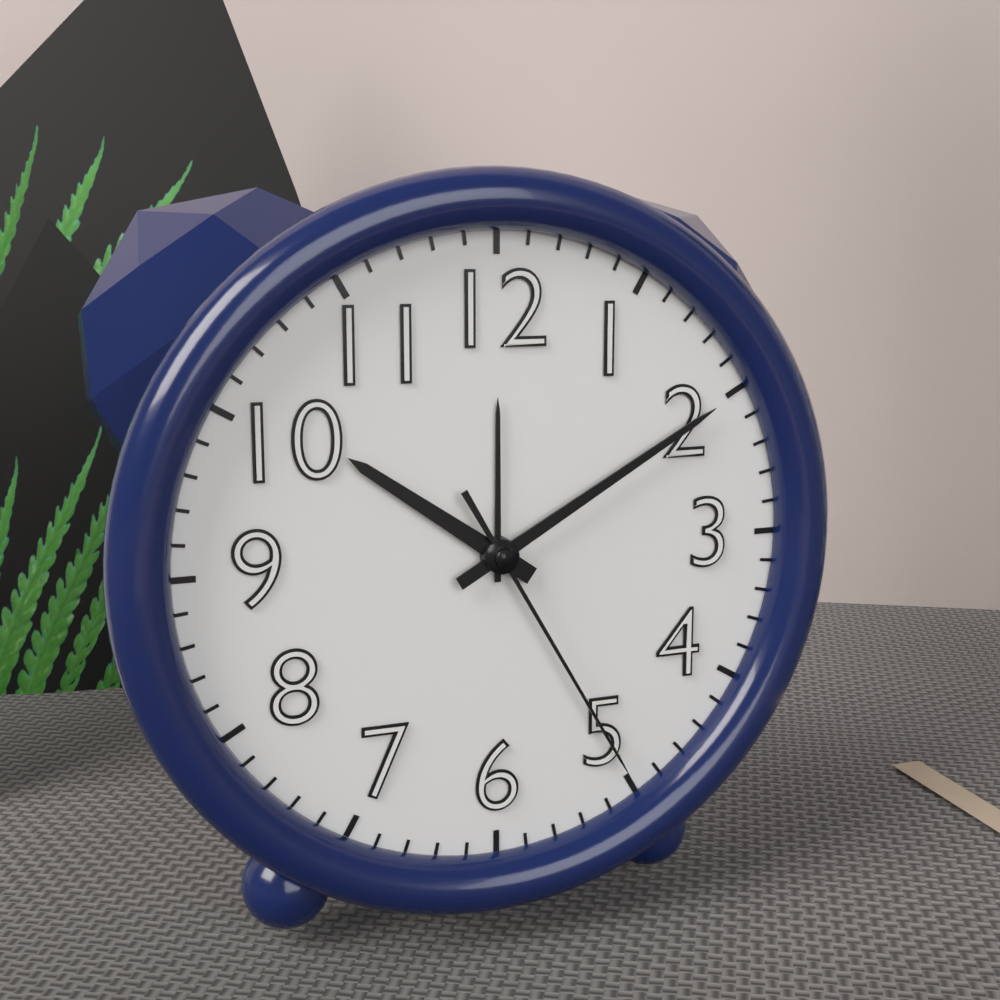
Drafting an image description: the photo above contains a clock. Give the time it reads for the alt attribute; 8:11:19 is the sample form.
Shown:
10:10:25
